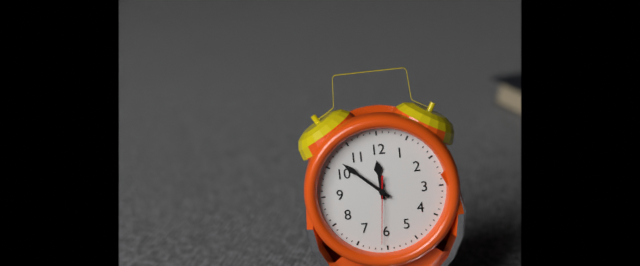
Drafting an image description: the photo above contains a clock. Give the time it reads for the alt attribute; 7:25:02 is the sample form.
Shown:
11:52:31
